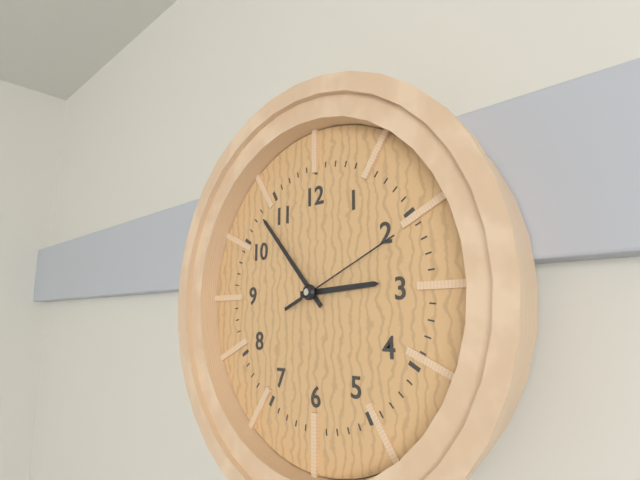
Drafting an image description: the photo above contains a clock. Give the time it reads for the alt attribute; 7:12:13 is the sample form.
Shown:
2:53:11
